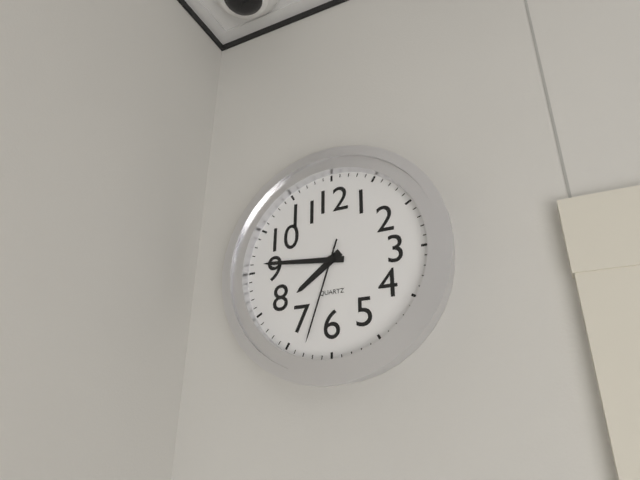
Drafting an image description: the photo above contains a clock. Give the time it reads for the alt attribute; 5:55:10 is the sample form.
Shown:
7:46:33
